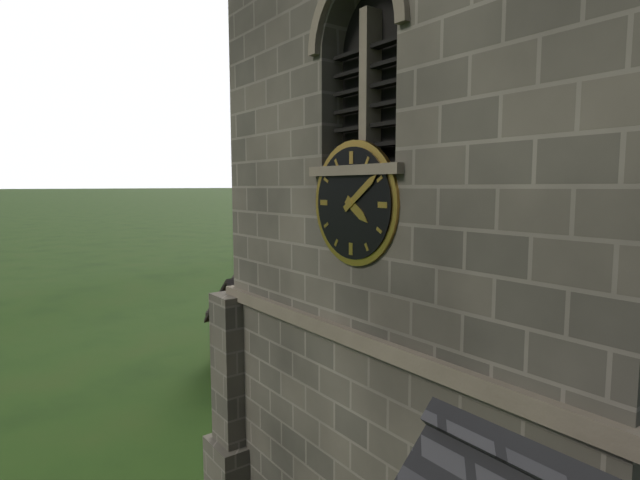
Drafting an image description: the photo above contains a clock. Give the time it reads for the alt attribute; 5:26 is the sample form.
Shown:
4:09
